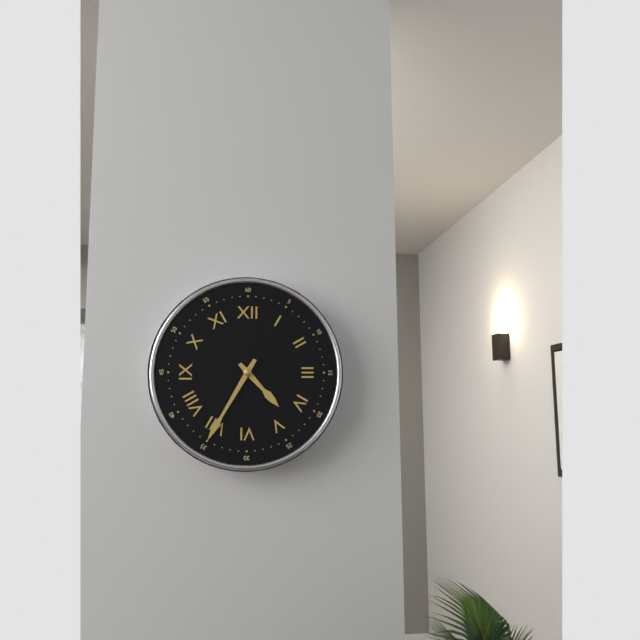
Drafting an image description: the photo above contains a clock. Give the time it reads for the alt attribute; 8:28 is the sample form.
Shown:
4:35
